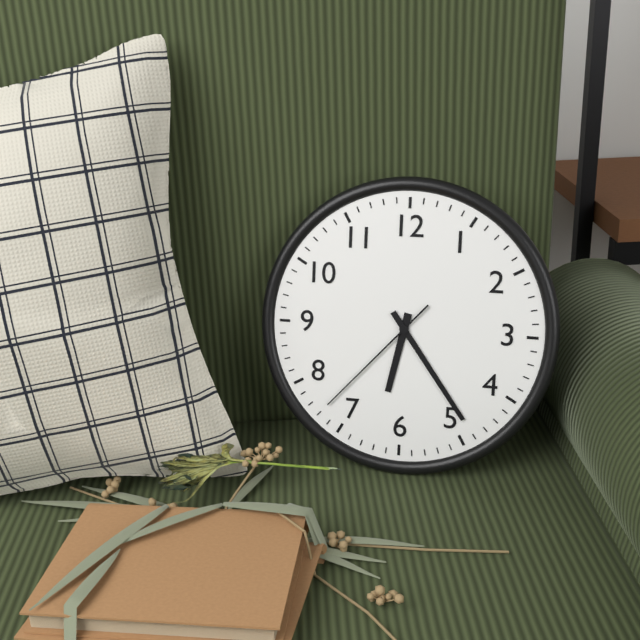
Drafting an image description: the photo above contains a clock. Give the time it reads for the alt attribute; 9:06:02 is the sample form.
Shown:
6:24:37
